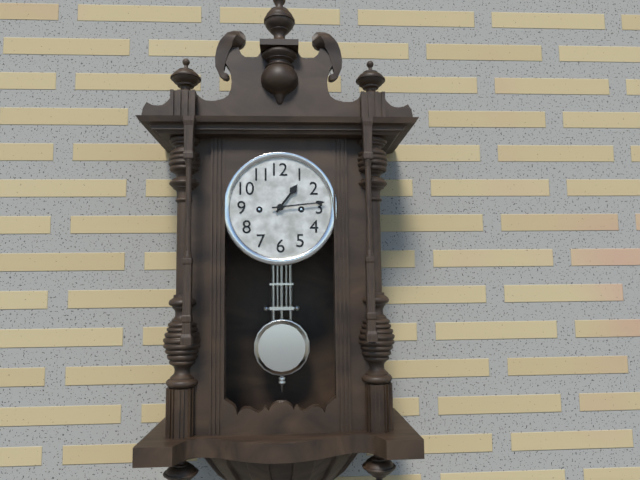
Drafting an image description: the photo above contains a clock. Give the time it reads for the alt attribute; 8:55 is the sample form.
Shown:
1:14
